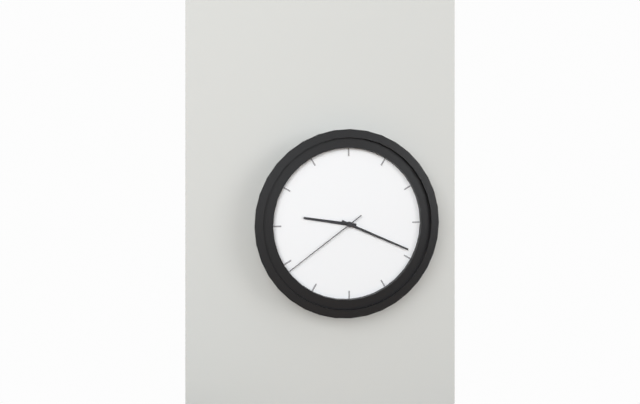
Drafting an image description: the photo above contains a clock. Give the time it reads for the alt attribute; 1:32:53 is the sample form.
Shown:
9:19:39
